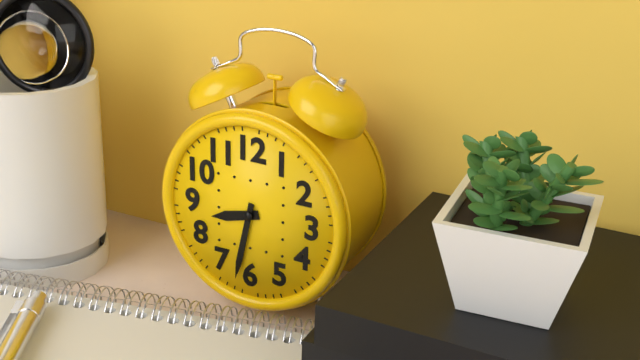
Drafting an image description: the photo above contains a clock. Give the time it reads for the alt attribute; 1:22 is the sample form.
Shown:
8:32
